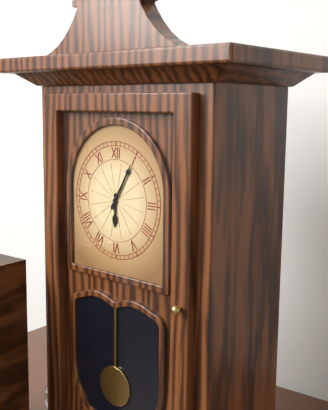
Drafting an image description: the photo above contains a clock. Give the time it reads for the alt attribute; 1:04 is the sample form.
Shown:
6:05
